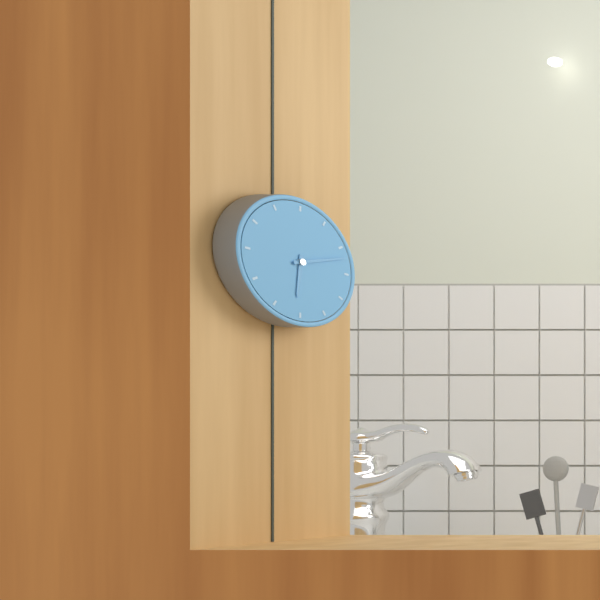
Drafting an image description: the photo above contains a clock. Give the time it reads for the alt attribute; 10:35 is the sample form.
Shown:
6:12
